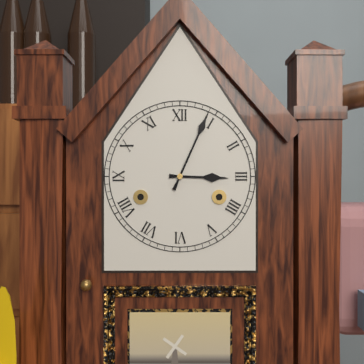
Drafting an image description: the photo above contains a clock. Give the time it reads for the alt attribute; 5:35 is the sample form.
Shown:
3:04
